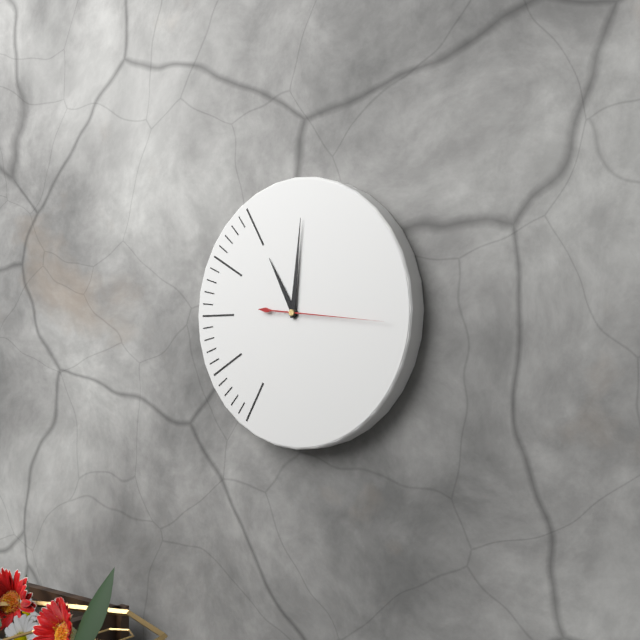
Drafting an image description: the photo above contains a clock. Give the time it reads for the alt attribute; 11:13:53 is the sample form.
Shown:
11:01:16
